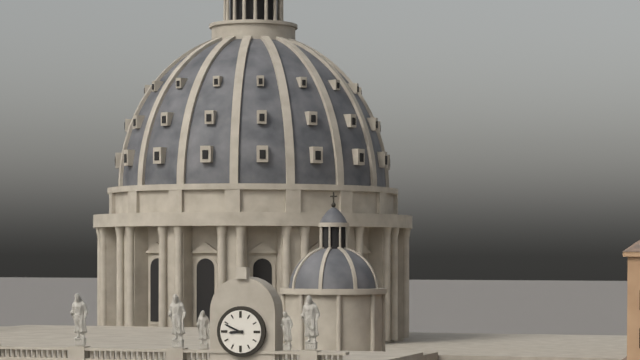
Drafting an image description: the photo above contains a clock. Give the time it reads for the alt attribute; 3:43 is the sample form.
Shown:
8:49
